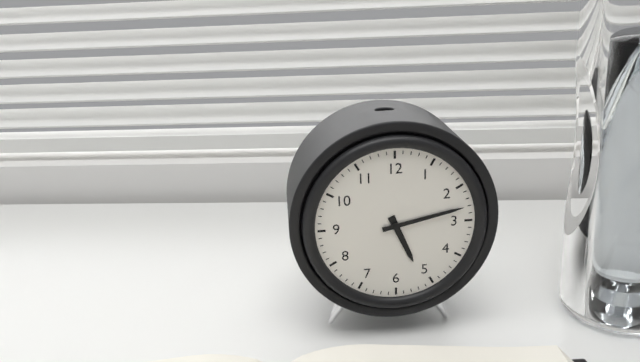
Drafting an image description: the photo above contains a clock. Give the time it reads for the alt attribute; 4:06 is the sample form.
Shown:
5:13
